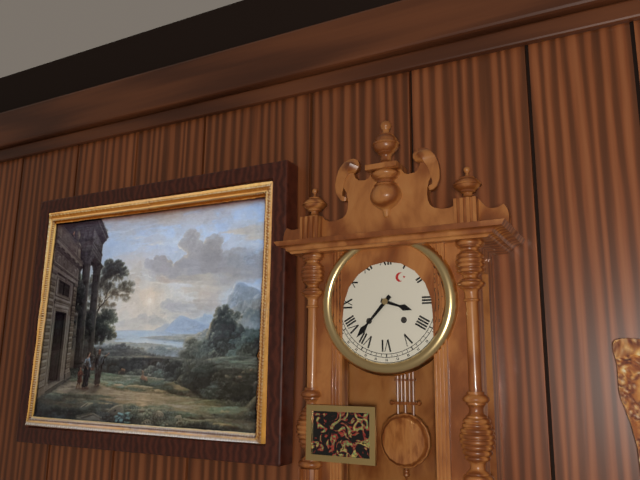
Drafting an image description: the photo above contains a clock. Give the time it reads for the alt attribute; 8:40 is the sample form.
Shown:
3:37
